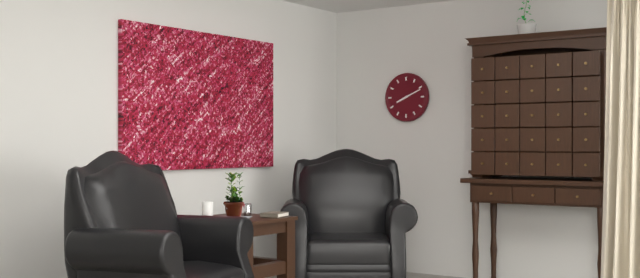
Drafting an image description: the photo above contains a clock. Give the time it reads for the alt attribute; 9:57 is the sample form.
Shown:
8:11
